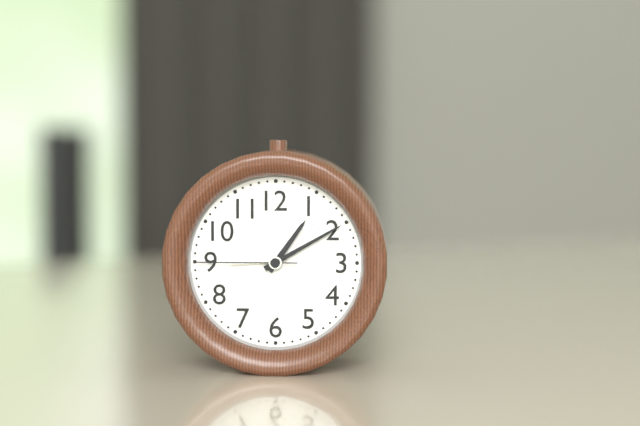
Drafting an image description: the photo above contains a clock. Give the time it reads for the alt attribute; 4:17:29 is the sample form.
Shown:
1:10:45
